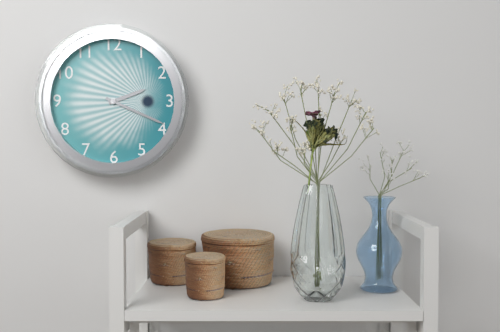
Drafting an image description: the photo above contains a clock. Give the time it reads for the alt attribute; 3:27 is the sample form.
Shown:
2:19
